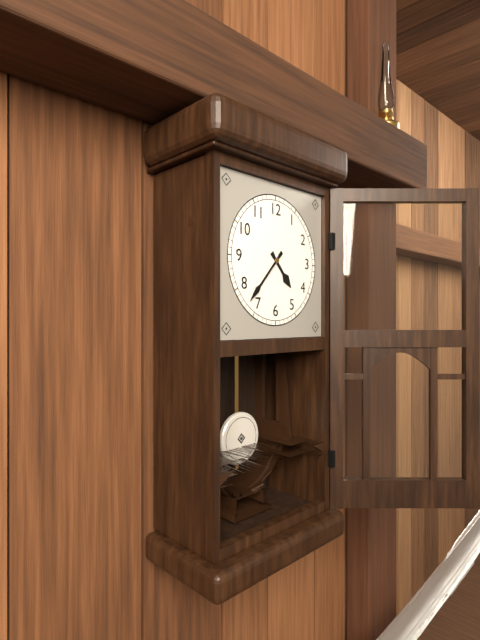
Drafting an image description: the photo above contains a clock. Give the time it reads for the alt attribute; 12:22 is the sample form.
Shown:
4:37
